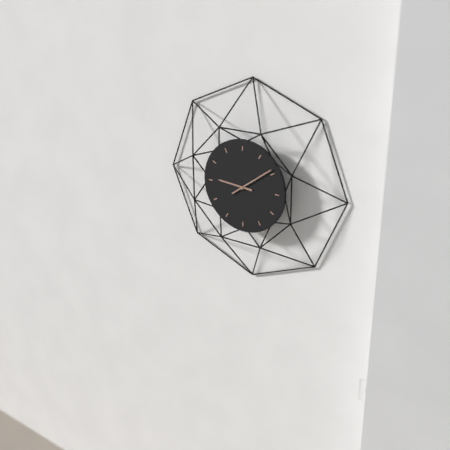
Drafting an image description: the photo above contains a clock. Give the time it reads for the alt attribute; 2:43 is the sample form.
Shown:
9:09
